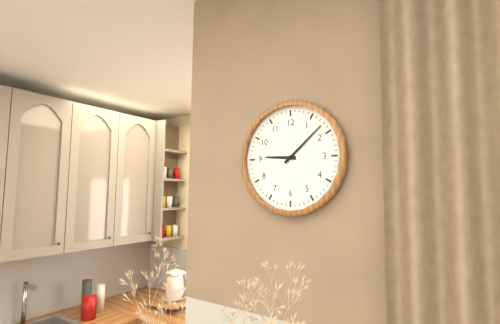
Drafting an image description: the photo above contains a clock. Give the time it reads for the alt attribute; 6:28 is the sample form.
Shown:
9:08
